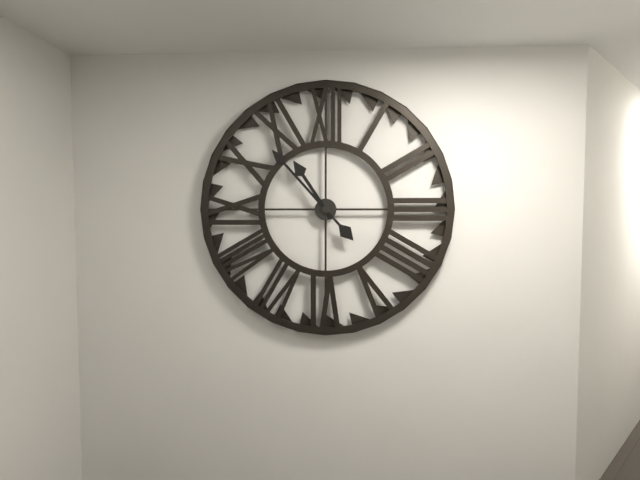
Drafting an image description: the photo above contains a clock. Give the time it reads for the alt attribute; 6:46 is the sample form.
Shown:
10:53
